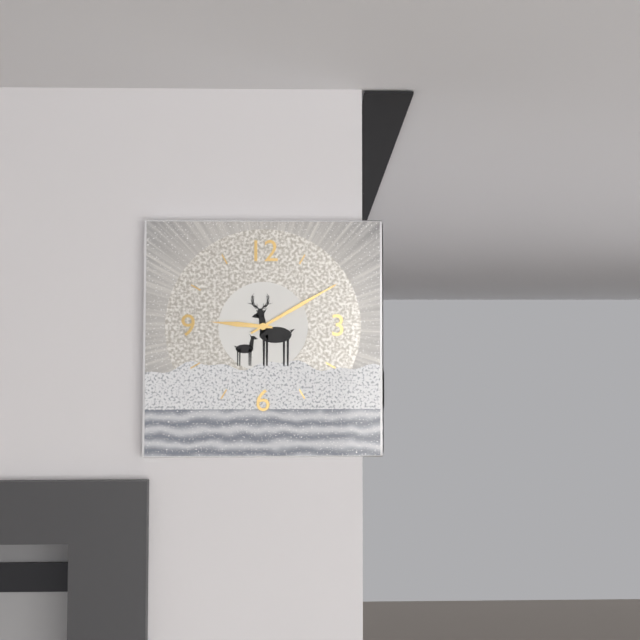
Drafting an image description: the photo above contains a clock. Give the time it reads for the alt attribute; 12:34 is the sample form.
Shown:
9:10
